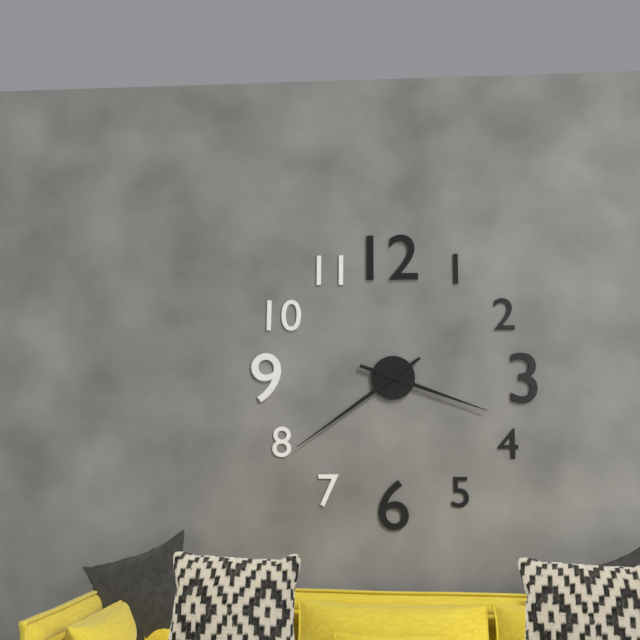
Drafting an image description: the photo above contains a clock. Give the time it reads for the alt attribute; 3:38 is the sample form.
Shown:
3:39
